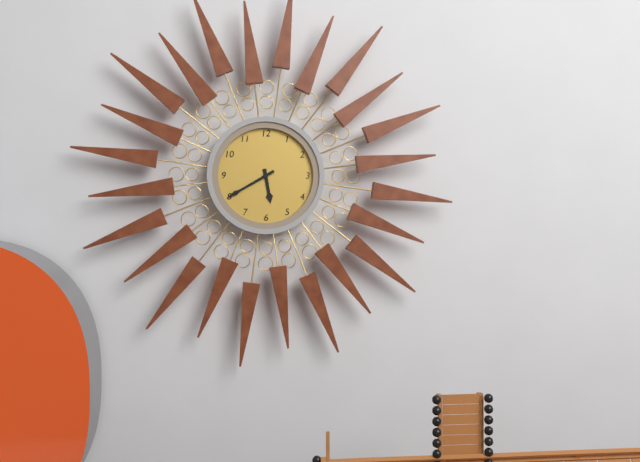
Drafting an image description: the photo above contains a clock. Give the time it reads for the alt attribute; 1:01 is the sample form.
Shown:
5:40
